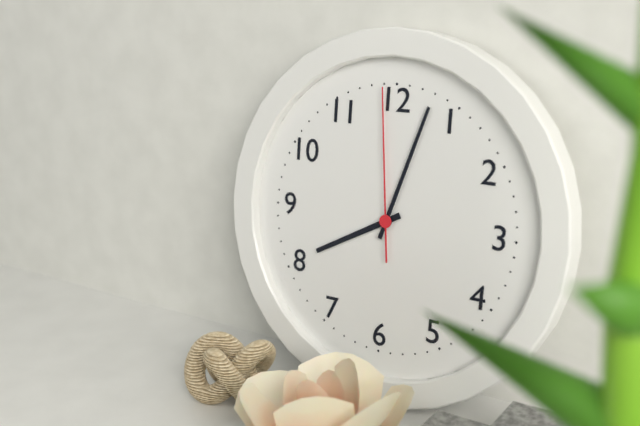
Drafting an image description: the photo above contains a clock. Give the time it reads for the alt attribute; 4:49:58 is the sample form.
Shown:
8:03:59
